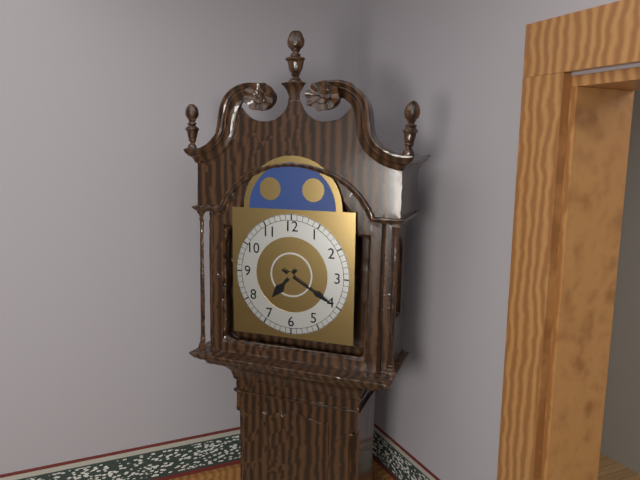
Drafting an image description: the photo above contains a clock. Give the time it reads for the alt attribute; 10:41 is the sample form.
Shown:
7:20
